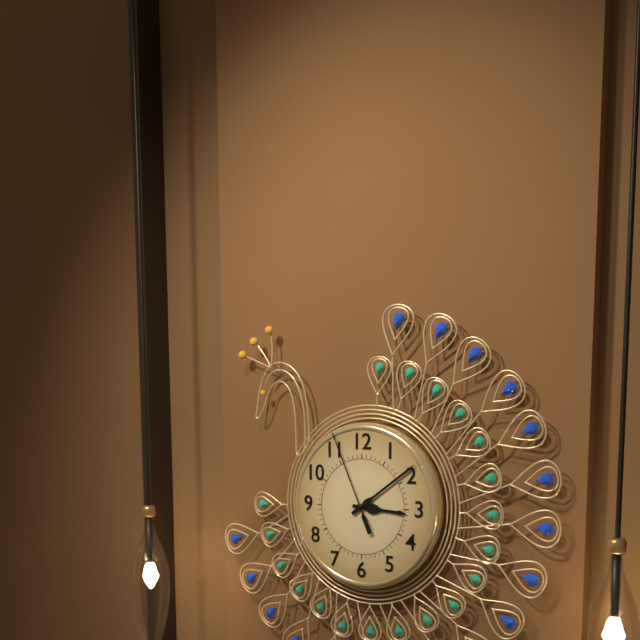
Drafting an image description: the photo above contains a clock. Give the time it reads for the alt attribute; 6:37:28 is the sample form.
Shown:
3:09:56
